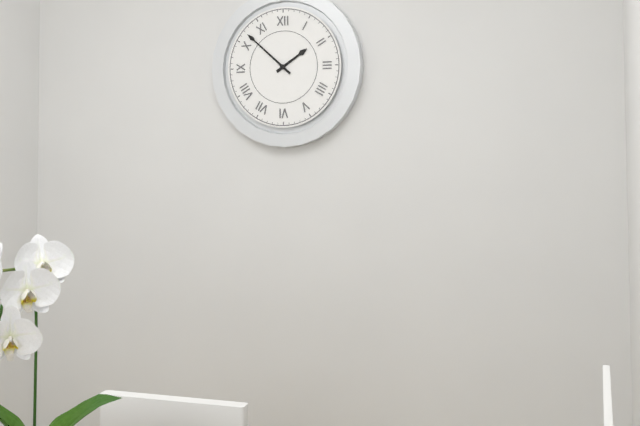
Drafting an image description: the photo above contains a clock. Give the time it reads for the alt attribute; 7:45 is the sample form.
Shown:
1:52
